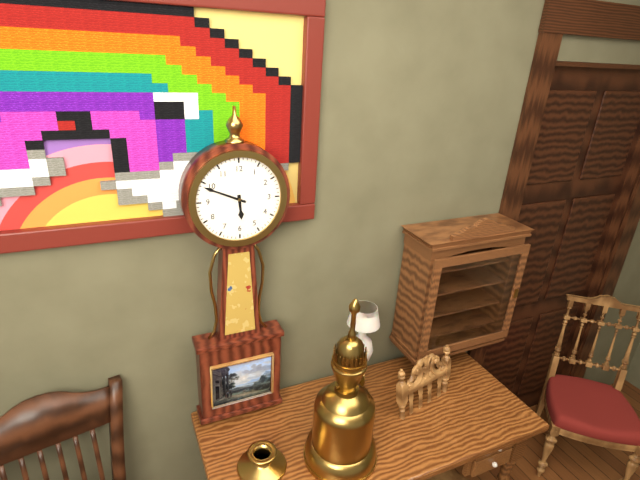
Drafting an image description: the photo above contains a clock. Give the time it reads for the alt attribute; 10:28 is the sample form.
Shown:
5:49
